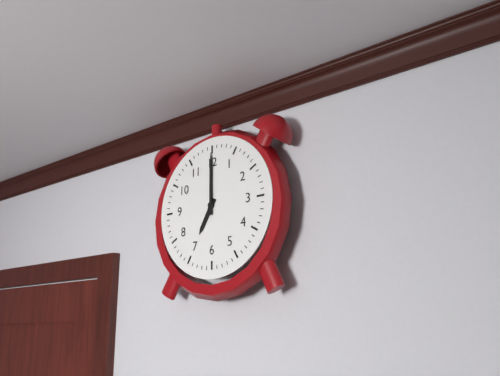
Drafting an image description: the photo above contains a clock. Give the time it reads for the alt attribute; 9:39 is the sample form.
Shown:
7:00
